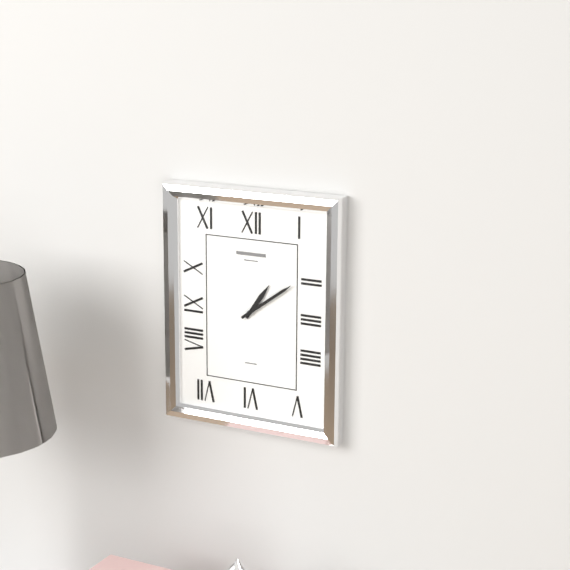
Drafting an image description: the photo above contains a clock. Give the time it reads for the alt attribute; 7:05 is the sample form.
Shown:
1:09
